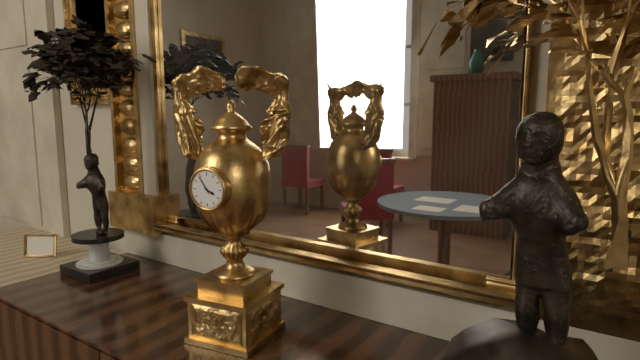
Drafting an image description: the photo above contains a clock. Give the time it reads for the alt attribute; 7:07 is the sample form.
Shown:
3:54
